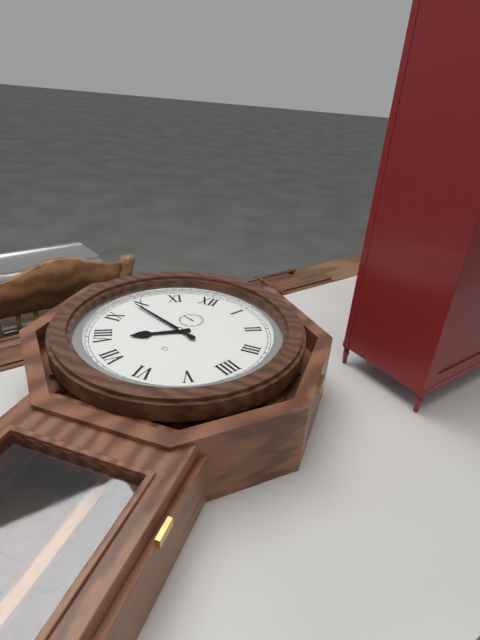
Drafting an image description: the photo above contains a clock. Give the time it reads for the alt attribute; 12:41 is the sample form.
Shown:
7:49
